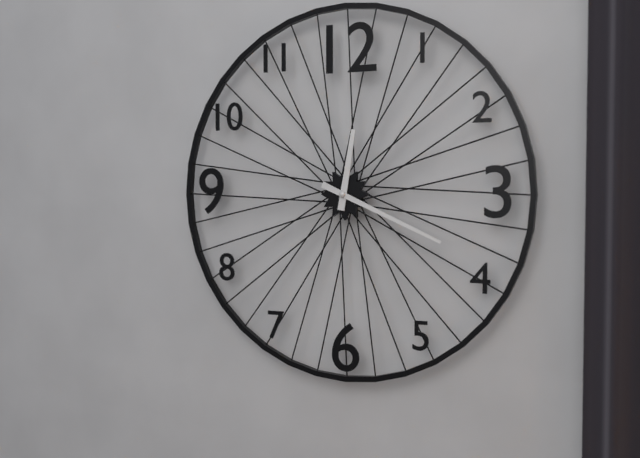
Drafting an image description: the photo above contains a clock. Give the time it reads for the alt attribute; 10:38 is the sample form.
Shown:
12:19
